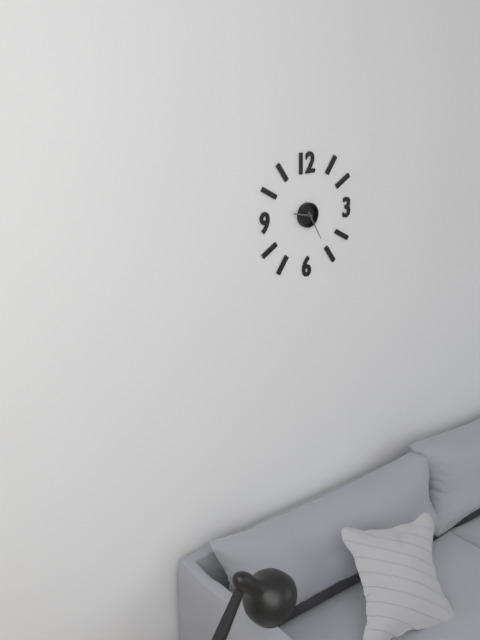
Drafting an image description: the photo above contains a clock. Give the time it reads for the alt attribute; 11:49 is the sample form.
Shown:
9:25
